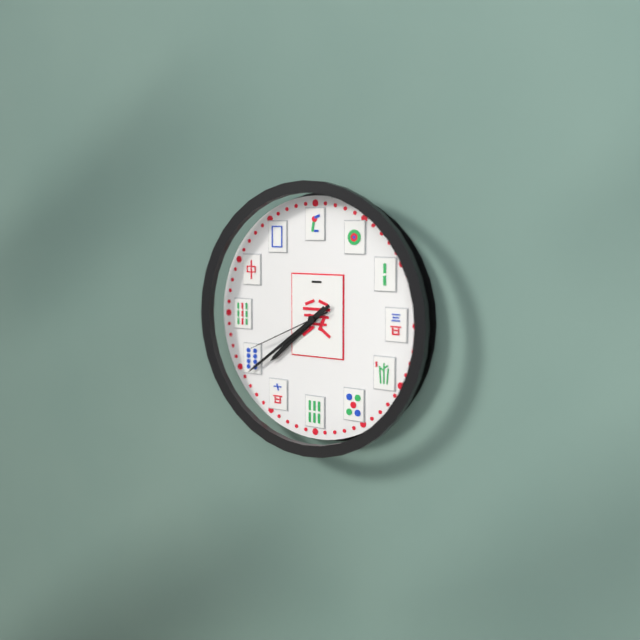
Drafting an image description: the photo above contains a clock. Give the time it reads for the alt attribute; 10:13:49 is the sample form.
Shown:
7:39:41
